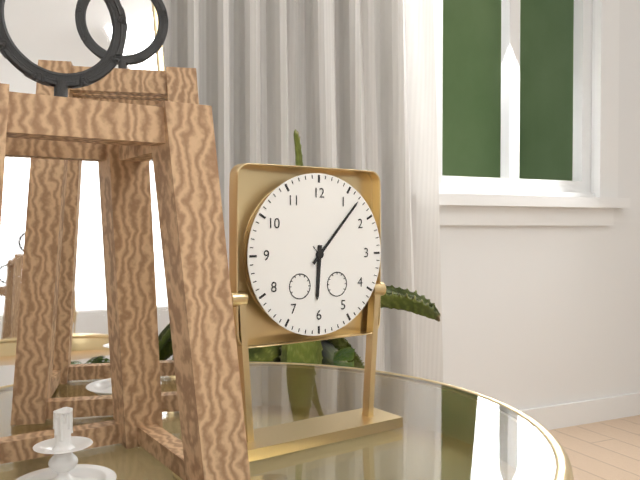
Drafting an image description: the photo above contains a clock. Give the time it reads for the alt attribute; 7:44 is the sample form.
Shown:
6:07
